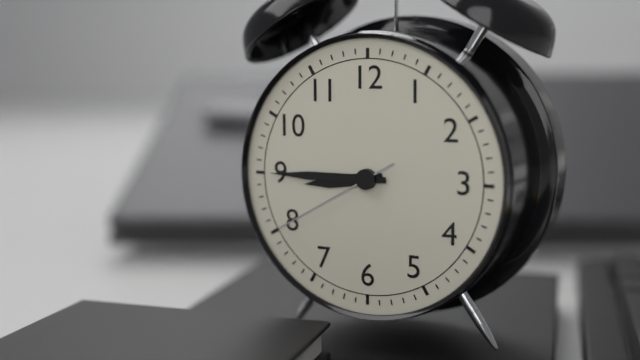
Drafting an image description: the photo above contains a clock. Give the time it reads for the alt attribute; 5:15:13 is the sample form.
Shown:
8:45:40
